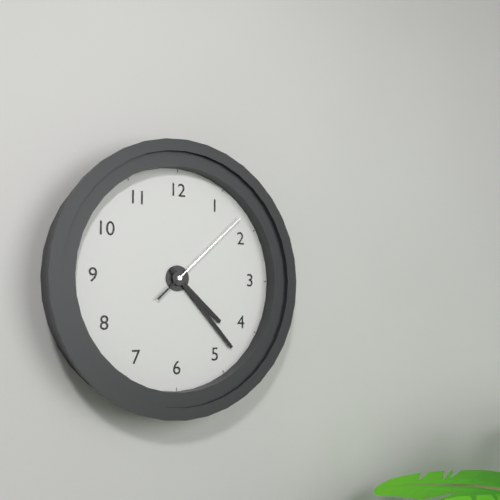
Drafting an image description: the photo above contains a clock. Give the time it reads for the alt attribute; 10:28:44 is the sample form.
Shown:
4:23:08
